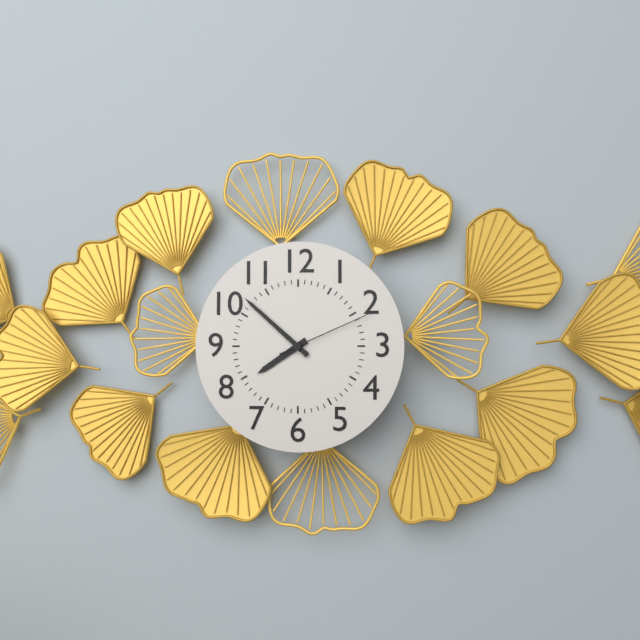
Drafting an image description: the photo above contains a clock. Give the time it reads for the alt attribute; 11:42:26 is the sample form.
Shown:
7:52:11
